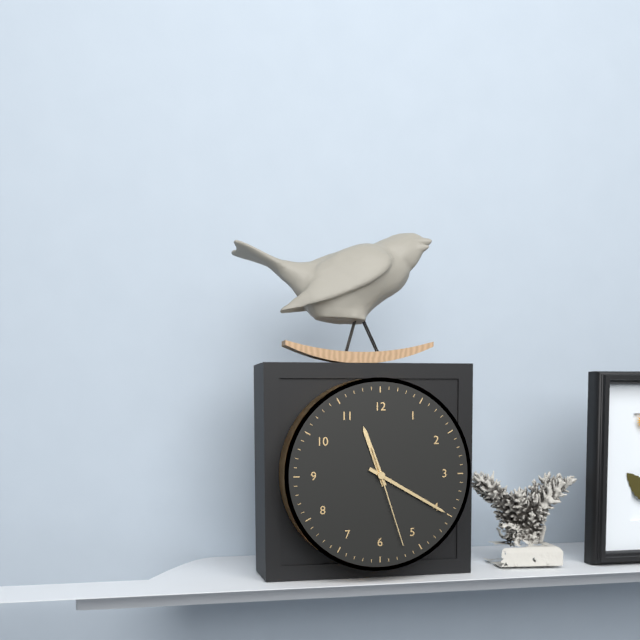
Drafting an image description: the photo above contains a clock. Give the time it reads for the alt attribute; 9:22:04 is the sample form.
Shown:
11:20:27
